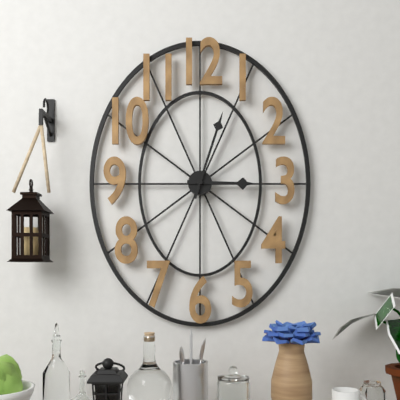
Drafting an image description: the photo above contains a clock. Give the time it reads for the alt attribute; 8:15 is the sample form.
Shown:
3:03
